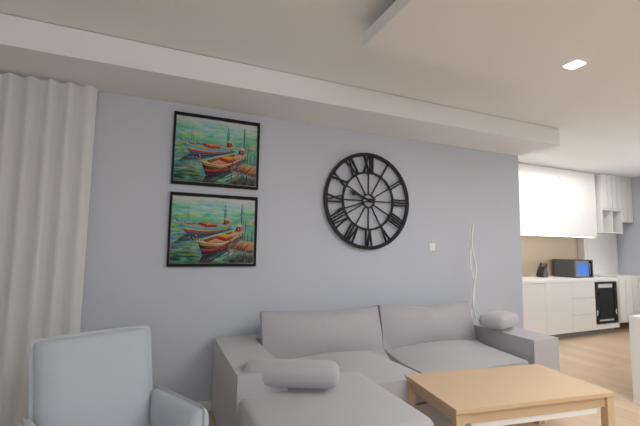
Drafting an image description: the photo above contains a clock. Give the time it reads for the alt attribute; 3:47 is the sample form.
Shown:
9:42
